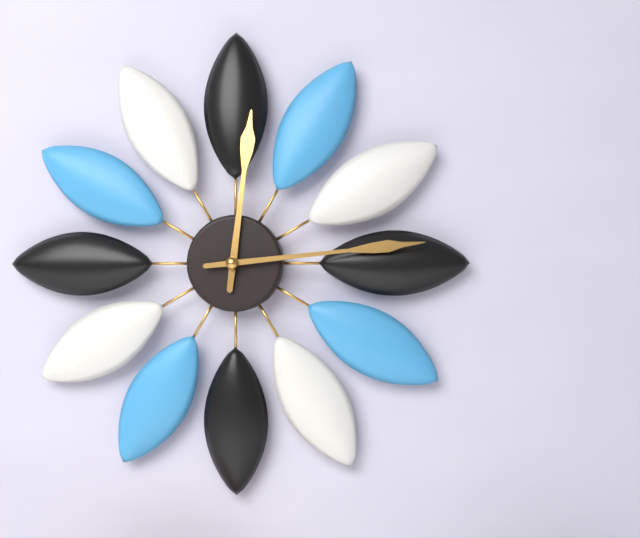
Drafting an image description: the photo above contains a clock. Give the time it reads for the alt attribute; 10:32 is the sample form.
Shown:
12:14
